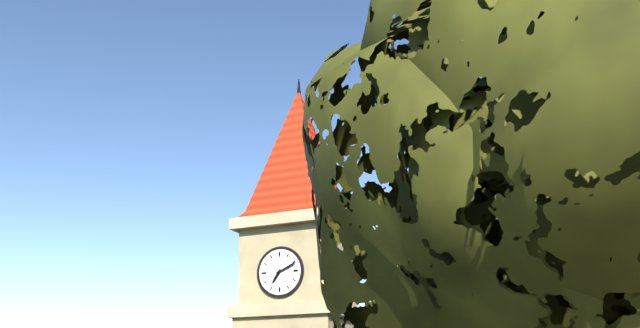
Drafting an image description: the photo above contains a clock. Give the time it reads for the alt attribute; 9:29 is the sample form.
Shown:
7:11
